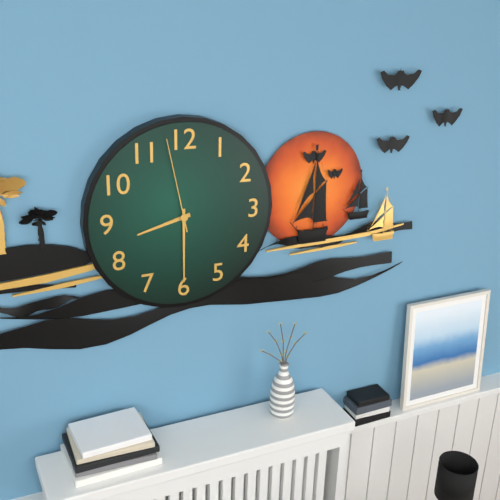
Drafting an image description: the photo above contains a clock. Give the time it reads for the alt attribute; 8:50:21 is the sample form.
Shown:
8:30:58
